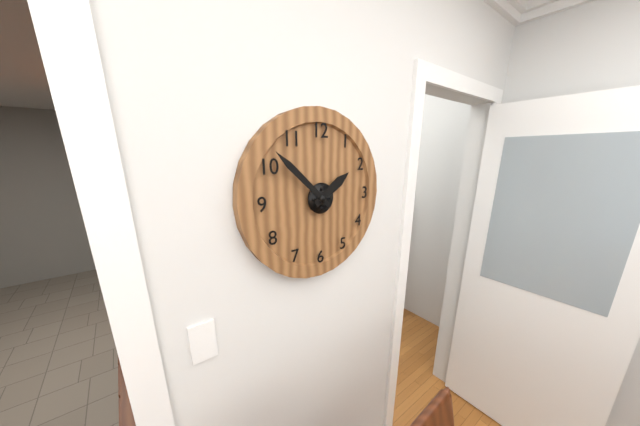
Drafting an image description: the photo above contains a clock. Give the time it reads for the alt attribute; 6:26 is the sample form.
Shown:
1:52
